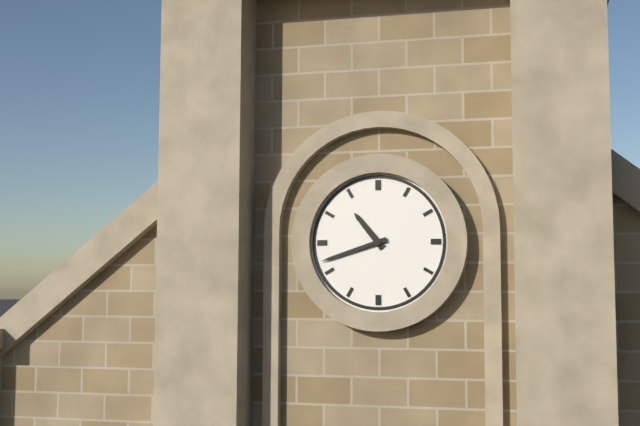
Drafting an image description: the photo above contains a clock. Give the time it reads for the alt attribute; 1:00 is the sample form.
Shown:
10:42
